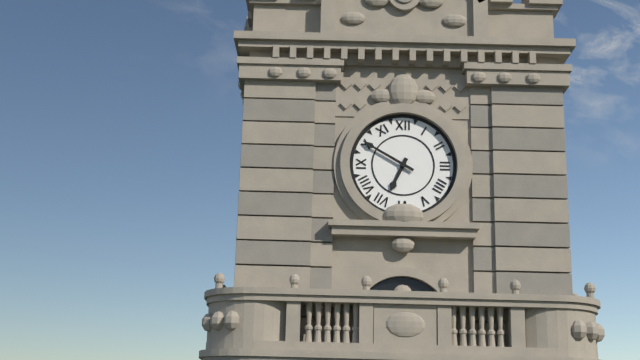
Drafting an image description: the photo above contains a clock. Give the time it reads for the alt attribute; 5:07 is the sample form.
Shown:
6:50
